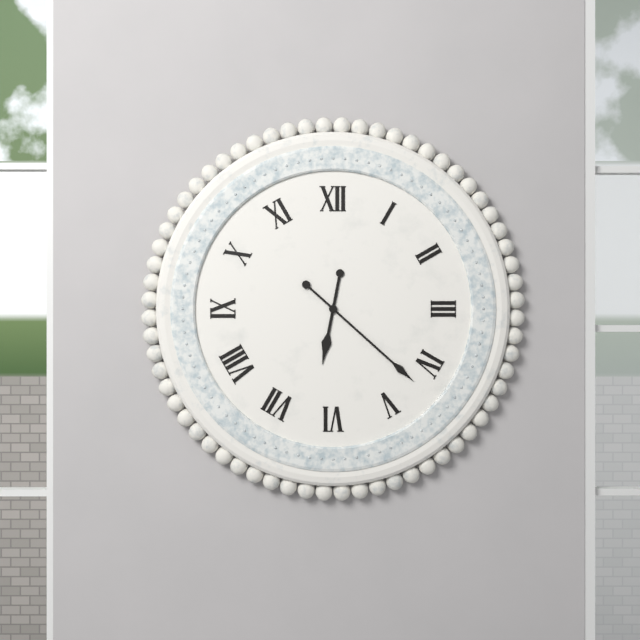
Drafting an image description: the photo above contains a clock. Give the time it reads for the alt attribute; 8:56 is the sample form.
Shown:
6:22
